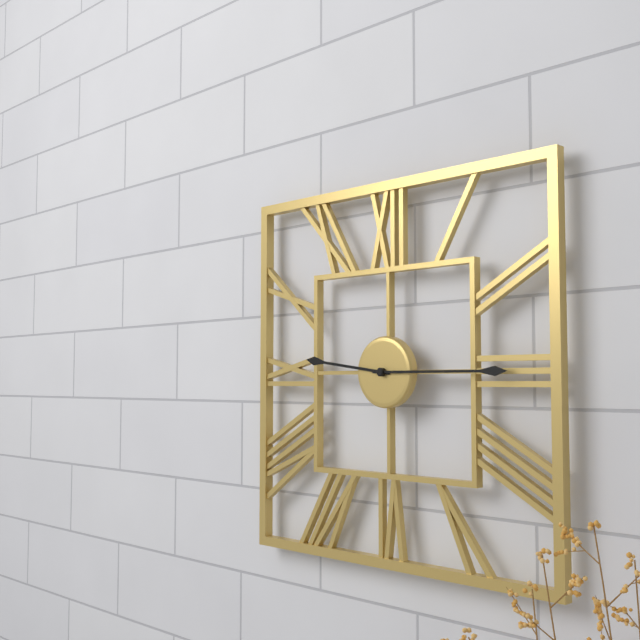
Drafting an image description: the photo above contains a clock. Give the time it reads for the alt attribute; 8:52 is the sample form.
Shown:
9:15
